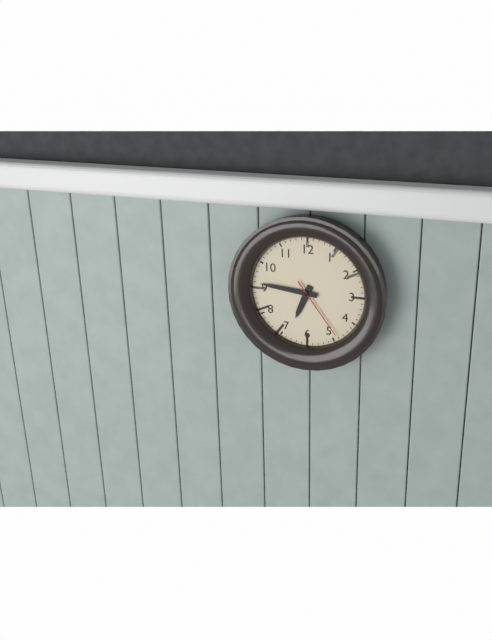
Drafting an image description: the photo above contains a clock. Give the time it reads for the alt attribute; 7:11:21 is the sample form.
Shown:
6:46:24
